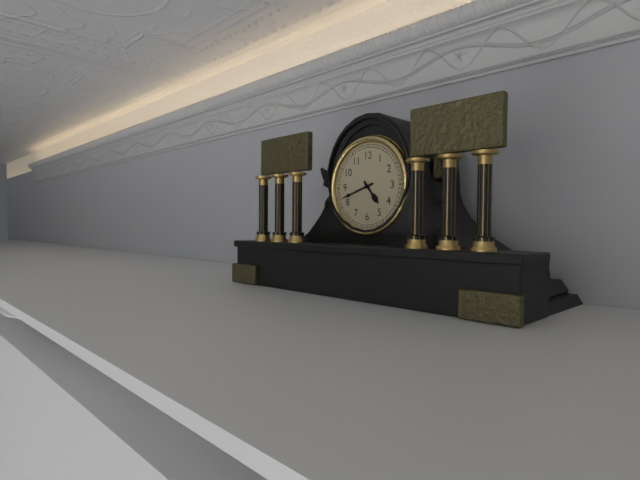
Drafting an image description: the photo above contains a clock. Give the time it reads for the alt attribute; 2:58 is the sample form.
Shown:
4:42
